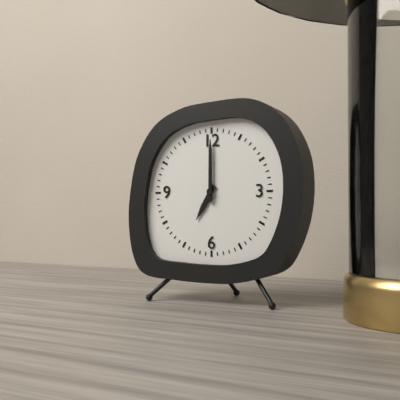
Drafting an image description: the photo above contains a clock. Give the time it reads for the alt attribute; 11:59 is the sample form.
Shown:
7:00
